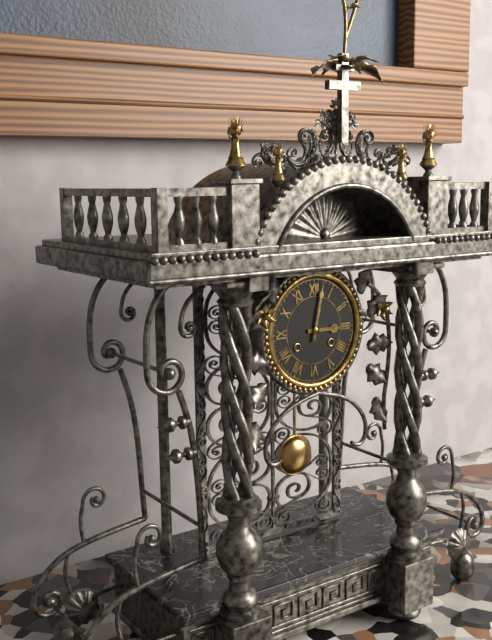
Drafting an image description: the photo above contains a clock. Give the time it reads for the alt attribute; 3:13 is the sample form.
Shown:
3:02
